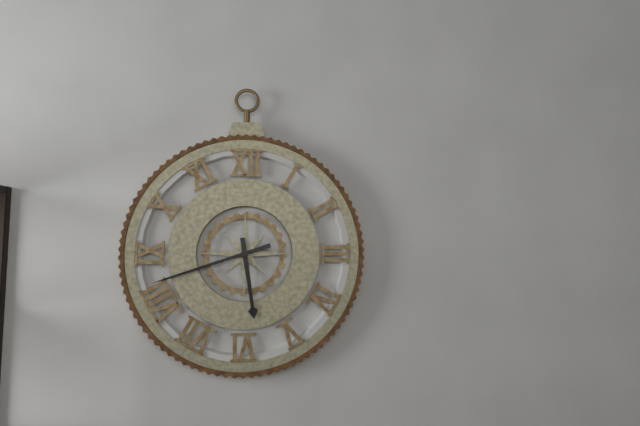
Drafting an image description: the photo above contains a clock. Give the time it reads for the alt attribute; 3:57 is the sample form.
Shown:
5:42
